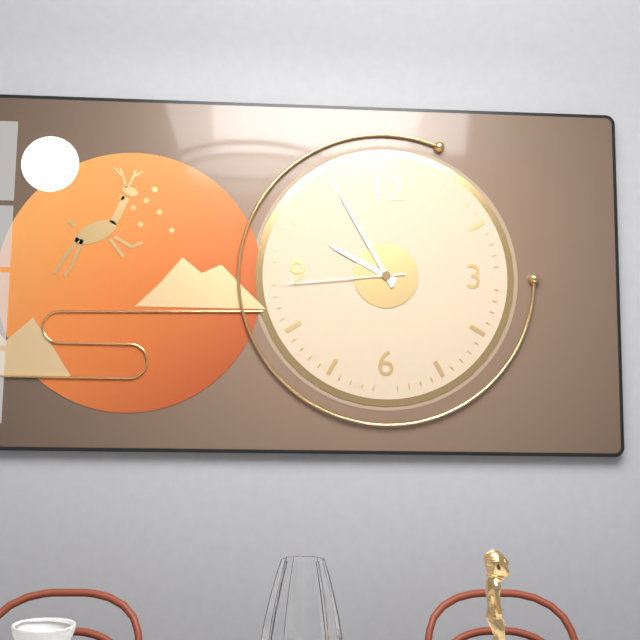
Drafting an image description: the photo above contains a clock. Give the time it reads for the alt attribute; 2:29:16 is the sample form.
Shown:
9:55:44
